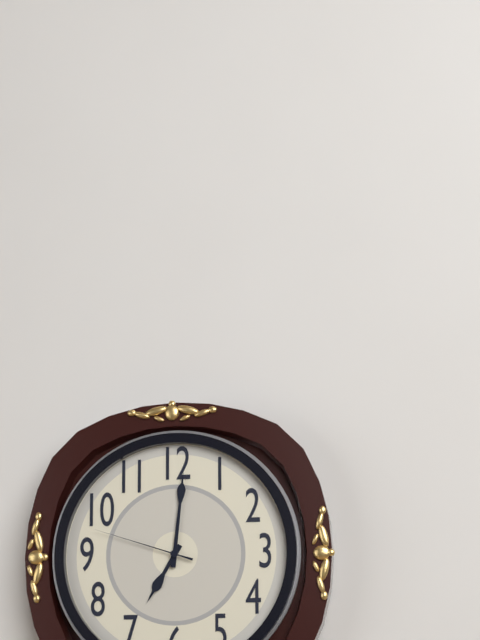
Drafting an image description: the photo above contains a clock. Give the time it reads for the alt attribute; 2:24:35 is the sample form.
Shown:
7:01:48
